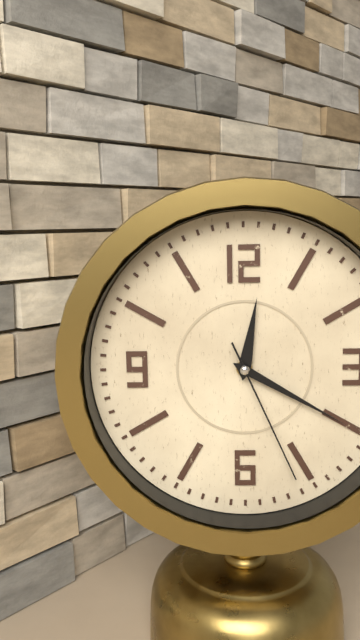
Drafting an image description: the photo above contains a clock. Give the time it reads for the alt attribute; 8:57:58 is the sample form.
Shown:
12:20:26
